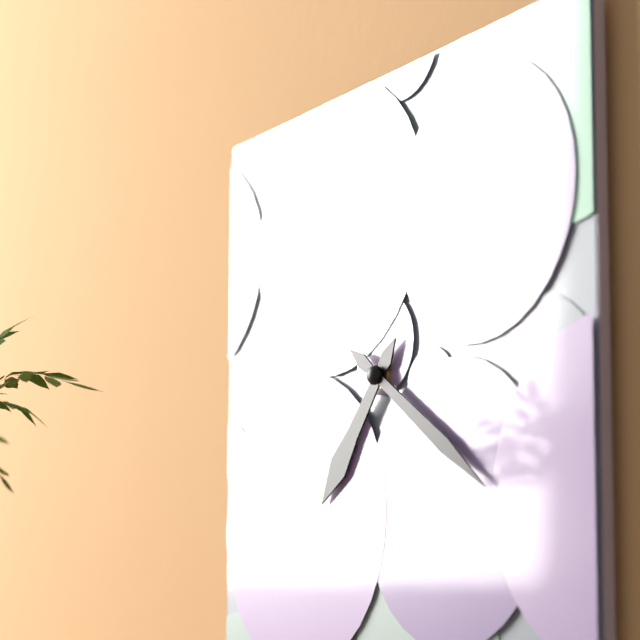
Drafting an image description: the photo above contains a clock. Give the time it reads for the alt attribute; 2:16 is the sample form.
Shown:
7:21
